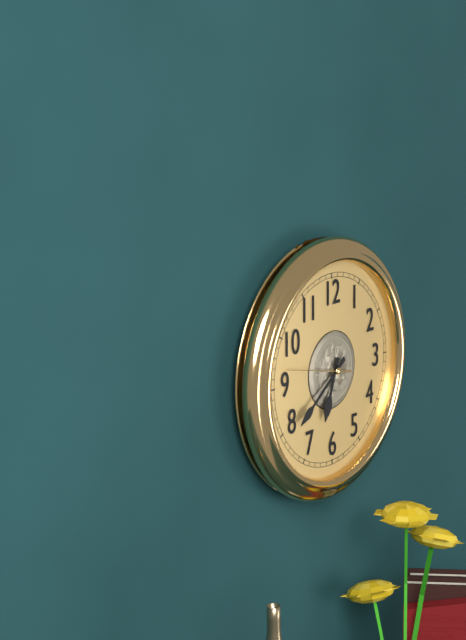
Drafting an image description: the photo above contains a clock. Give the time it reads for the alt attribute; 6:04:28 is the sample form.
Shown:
6:39:47
